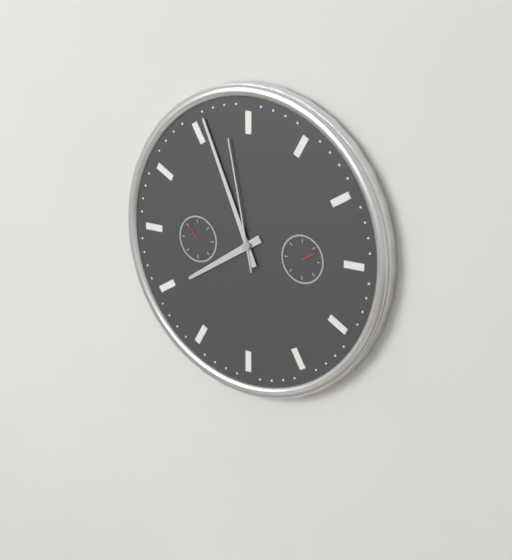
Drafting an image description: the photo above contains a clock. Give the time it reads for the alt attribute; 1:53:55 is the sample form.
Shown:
7:56:58
